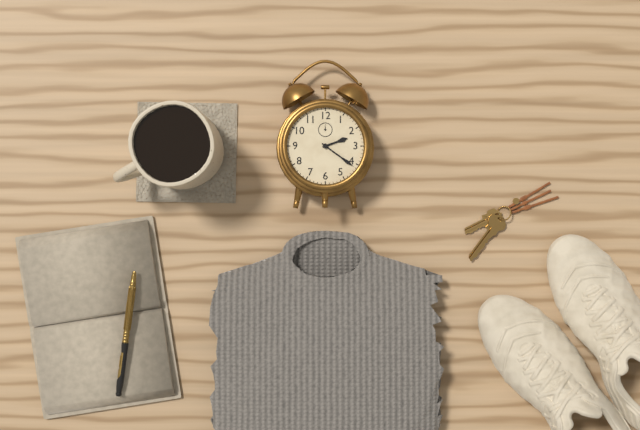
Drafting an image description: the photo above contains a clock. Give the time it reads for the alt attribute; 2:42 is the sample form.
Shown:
2:21
